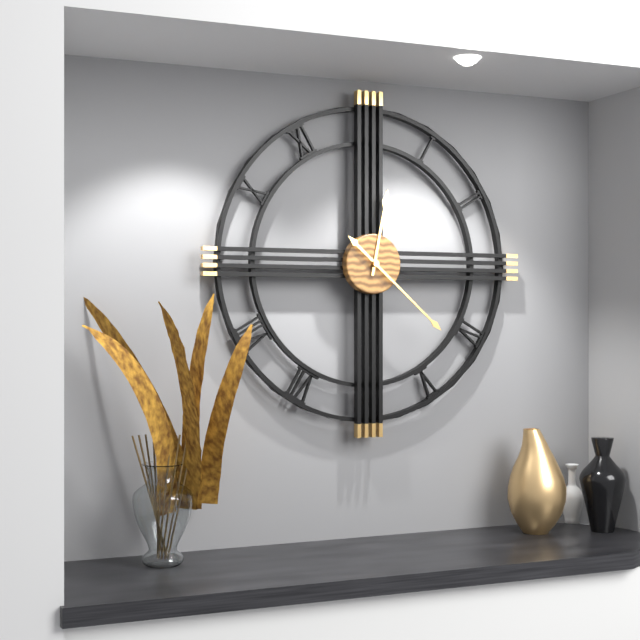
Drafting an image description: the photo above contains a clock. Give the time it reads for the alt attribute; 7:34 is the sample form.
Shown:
12:22
